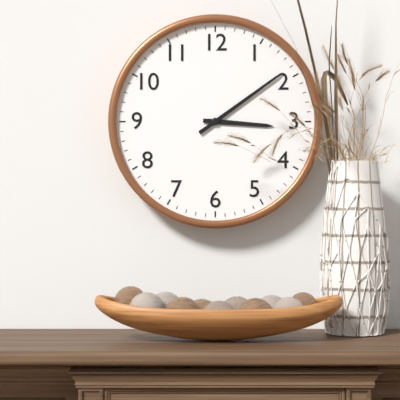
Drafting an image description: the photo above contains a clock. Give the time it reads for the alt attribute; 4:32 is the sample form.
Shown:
3:09
